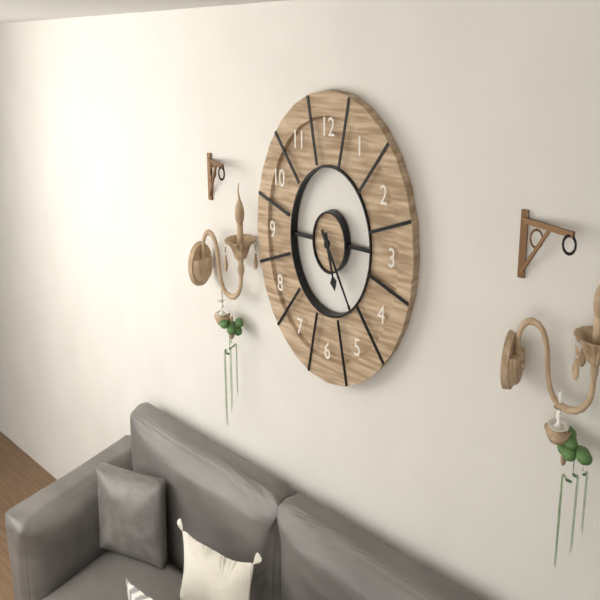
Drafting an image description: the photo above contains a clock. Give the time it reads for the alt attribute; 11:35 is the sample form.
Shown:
5:24
